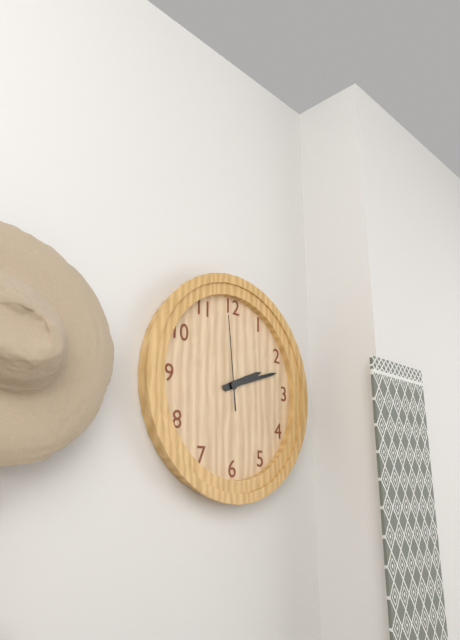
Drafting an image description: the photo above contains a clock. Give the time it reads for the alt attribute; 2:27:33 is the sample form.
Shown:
2:12:59
